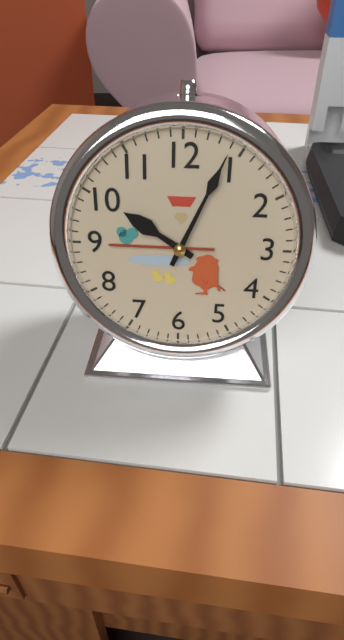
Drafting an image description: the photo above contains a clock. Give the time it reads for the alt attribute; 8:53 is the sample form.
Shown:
10:04
